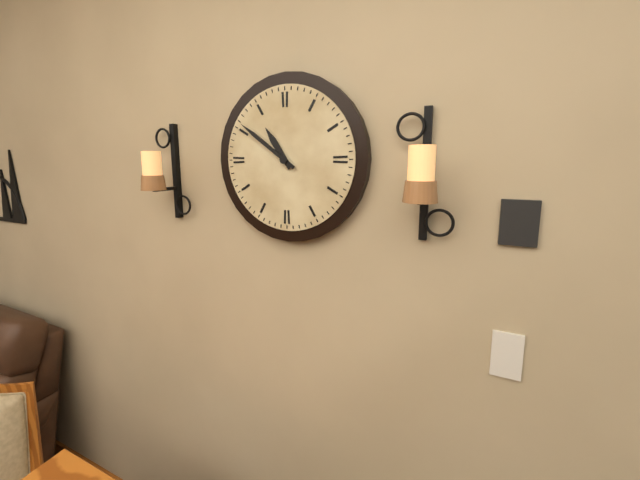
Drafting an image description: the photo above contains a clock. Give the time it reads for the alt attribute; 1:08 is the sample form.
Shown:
10:51
